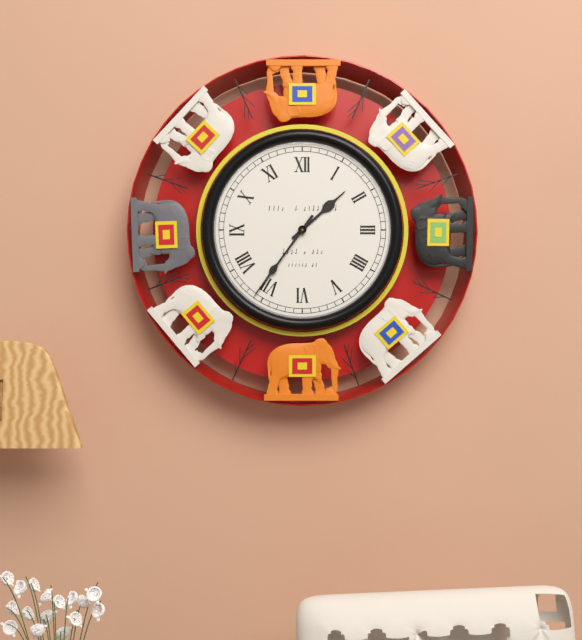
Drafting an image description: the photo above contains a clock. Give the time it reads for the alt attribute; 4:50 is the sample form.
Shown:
1:36
